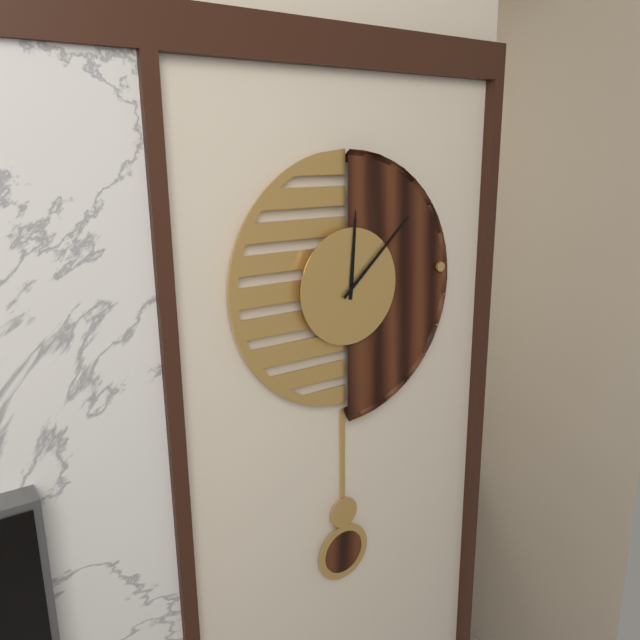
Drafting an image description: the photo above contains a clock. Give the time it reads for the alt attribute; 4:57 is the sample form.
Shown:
12:08
